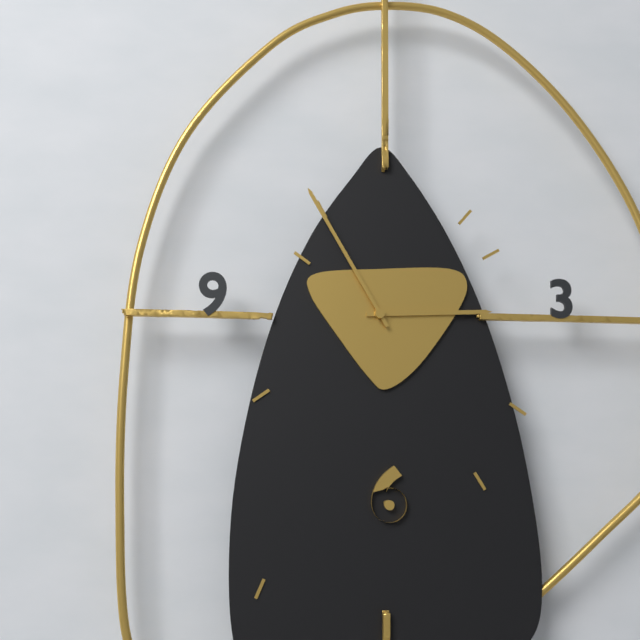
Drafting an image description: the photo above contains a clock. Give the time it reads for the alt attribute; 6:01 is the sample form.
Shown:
2:55
